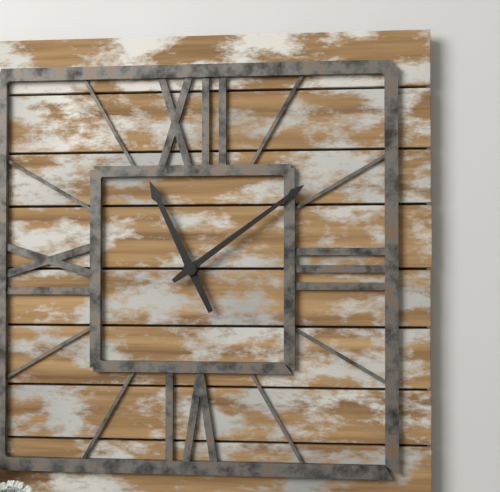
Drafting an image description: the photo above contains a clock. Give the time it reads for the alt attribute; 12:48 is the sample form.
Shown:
11:09
